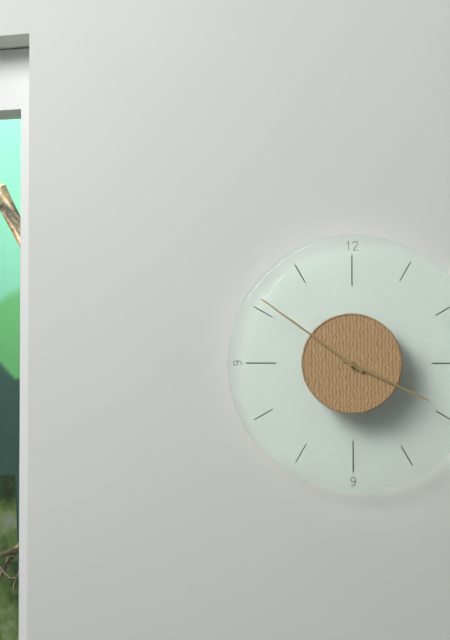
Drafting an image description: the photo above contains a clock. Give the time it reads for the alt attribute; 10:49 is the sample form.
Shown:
3:51
